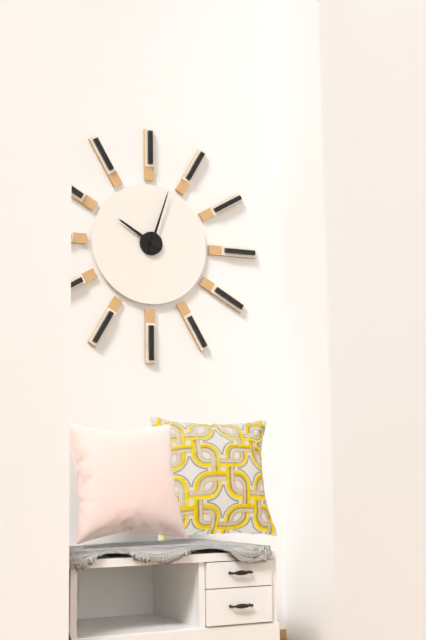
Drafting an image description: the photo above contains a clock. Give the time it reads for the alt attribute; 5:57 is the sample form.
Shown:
10:03
